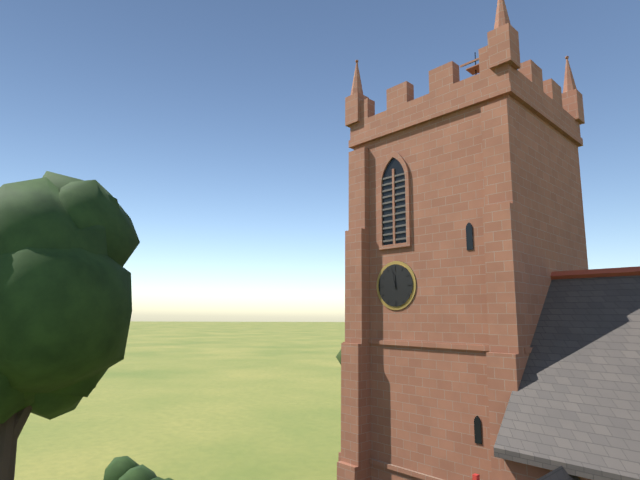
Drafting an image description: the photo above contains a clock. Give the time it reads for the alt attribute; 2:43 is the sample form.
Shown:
11:58
